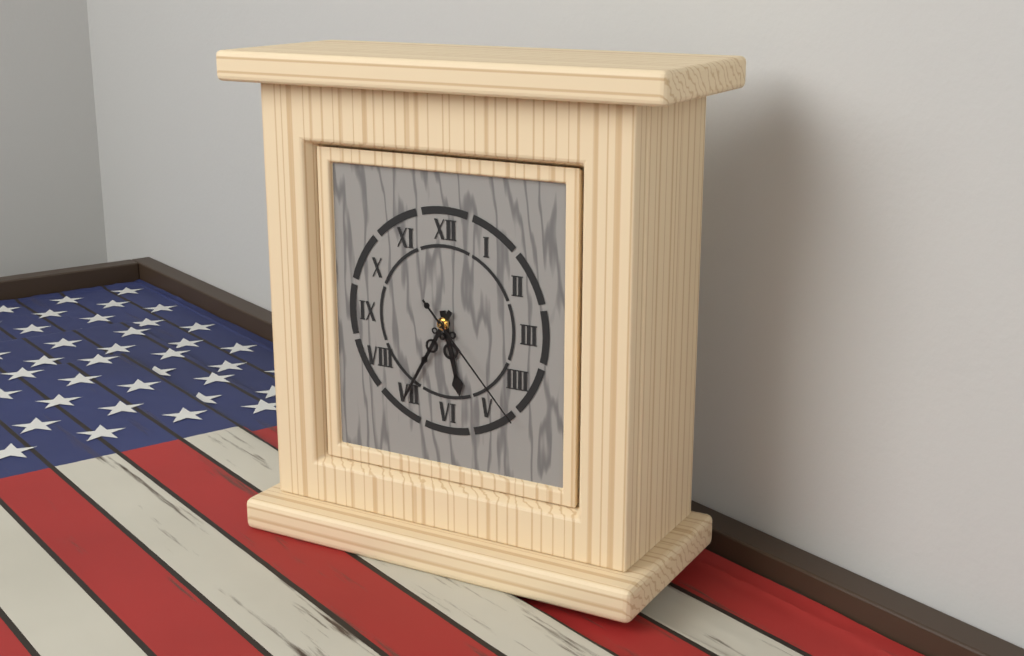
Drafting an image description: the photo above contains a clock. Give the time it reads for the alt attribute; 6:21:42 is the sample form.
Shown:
5:35:23
